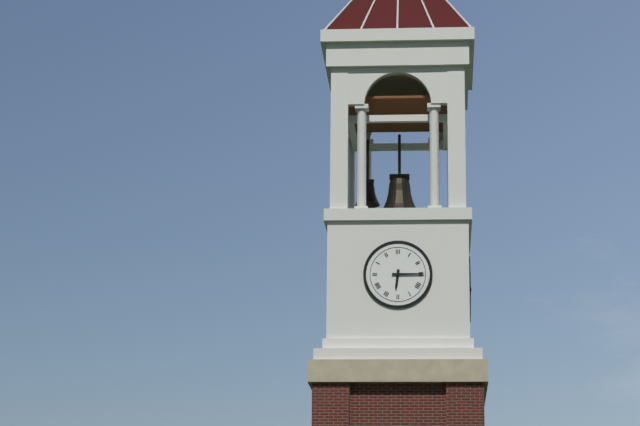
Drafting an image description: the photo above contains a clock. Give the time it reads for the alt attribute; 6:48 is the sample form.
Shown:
6:15
